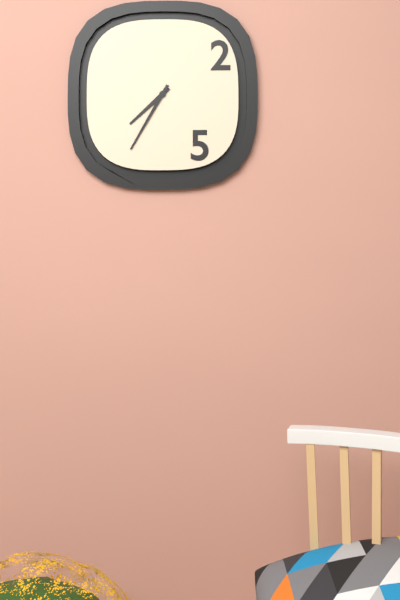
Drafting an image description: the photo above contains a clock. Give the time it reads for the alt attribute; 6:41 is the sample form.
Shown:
7:35
